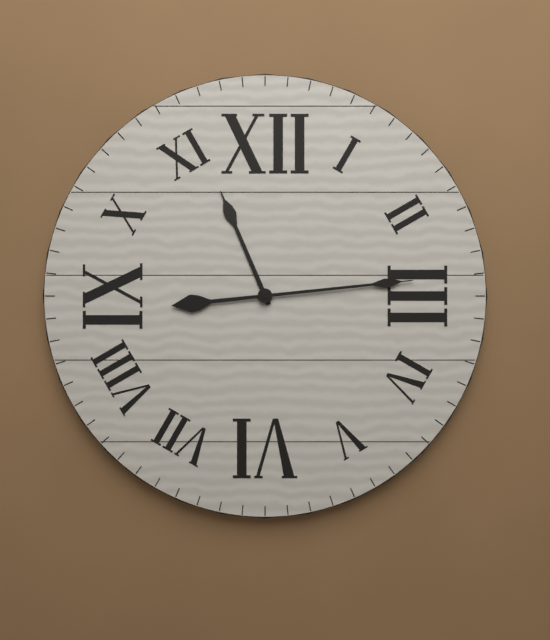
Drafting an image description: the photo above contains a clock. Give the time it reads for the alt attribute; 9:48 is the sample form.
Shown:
11:14
